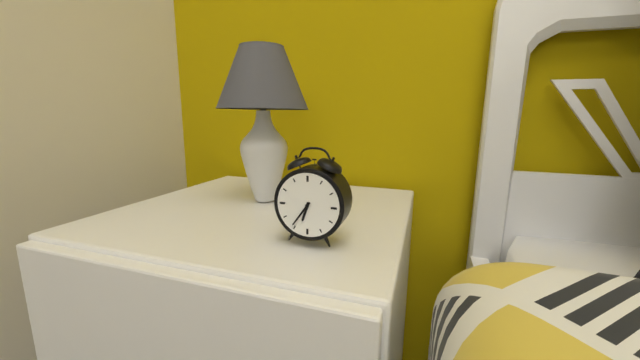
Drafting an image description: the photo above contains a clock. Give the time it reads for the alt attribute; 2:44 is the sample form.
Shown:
6:36
